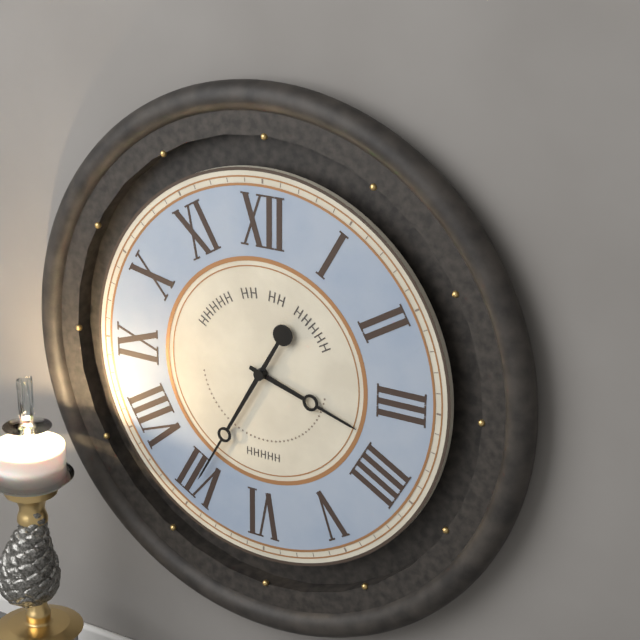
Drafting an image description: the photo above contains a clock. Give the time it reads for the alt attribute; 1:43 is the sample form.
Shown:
3:35
